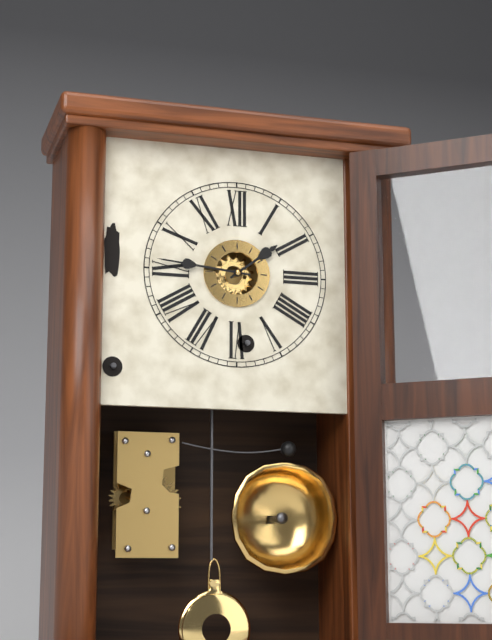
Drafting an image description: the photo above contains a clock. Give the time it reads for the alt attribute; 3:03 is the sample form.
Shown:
1:46
